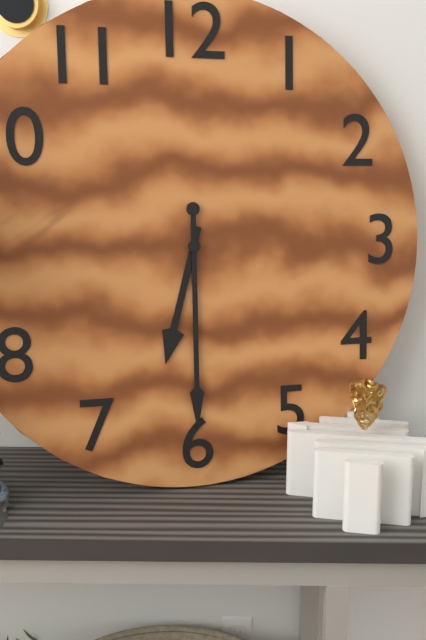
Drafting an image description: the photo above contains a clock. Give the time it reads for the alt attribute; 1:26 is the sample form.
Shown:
6:30
